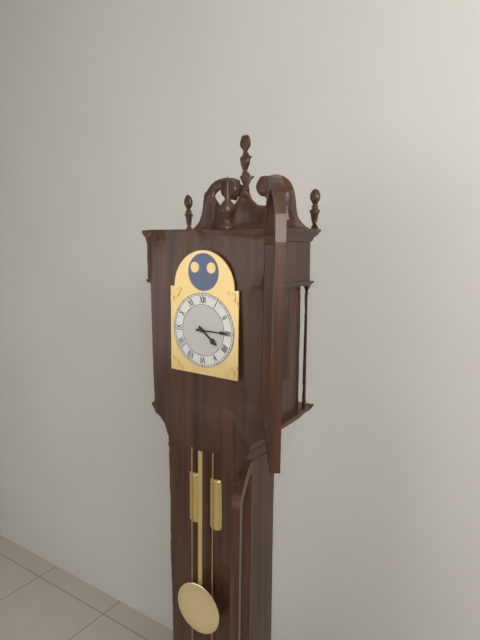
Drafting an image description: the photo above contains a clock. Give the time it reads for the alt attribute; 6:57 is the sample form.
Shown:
4:15
